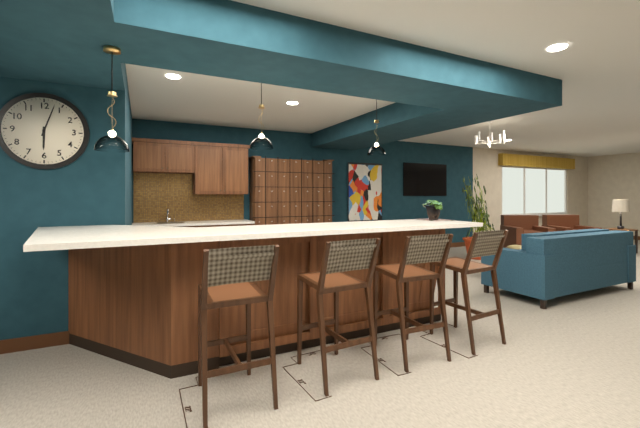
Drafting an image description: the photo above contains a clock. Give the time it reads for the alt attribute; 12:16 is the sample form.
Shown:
6:03
